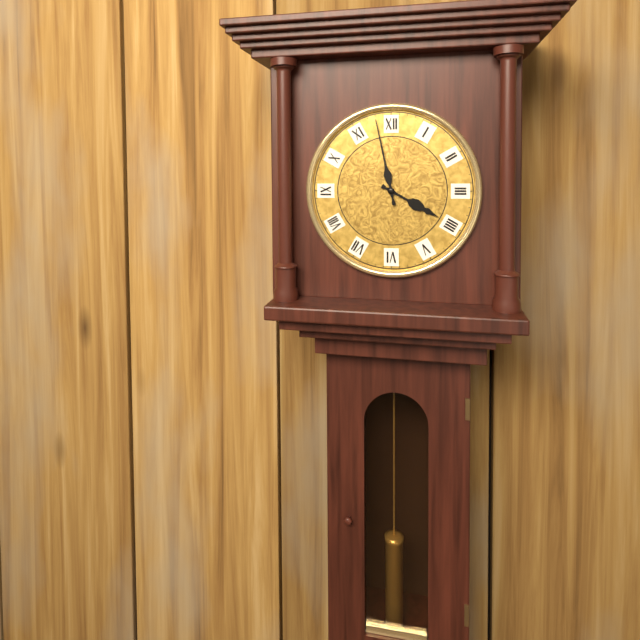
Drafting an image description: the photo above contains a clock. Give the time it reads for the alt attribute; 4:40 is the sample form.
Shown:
3:58
